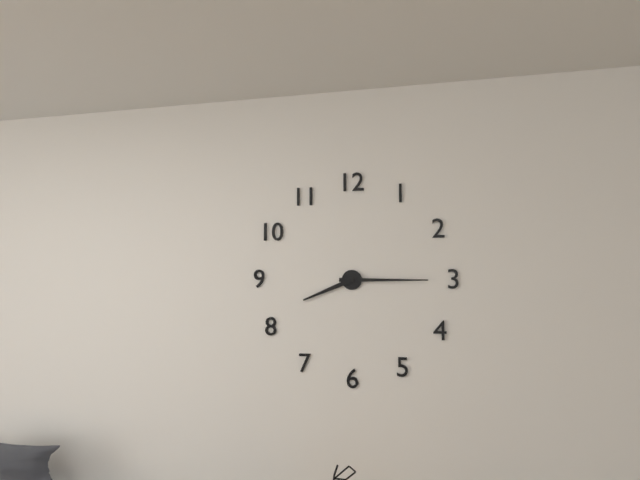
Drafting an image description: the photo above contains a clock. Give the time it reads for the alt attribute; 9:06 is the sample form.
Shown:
8:15
